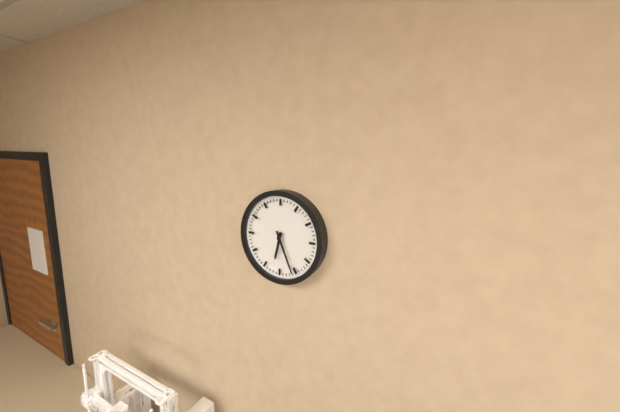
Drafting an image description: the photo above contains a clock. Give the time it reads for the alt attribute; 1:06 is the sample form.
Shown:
6:26
